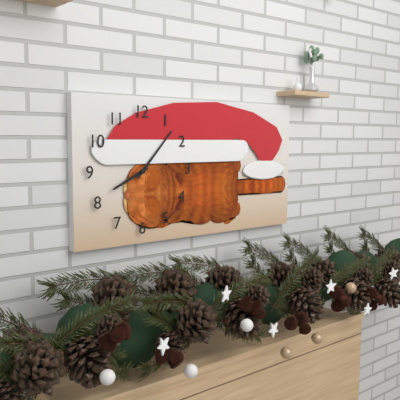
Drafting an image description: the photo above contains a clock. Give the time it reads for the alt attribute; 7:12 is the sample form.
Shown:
8:07
